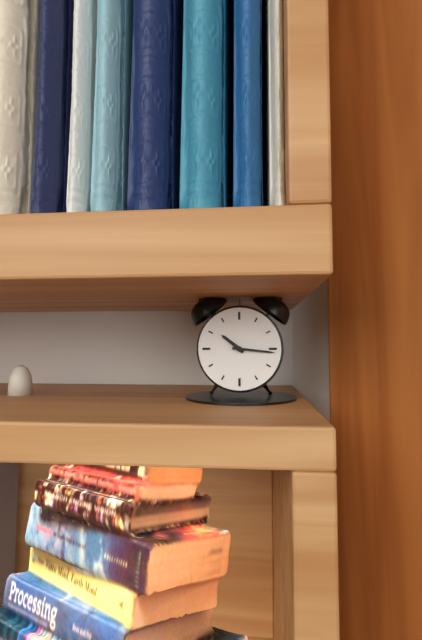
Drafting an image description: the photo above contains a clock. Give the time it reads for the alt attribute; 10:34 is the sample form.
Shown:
10:16
